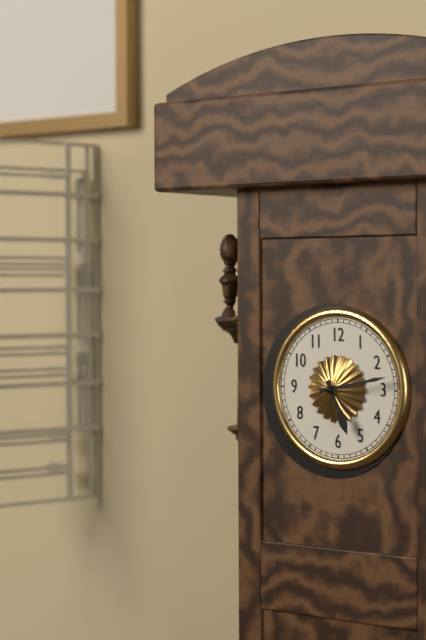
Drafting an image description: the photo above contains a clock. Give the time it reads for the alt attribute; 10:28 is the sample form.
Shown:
5:13
